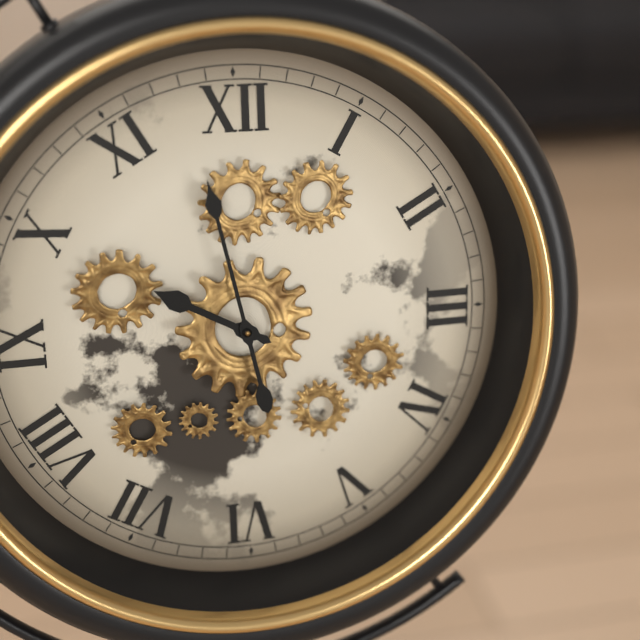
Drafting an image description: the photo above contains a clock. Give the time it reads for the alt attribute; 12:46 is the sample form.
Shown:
9:58
